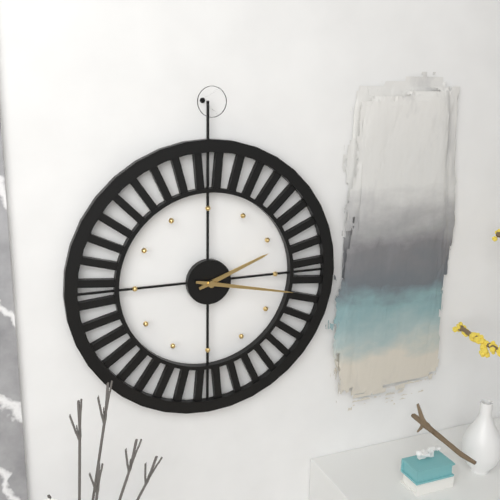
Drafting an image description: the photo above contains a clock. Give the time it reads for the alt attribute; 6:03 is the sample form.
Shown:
2:17
